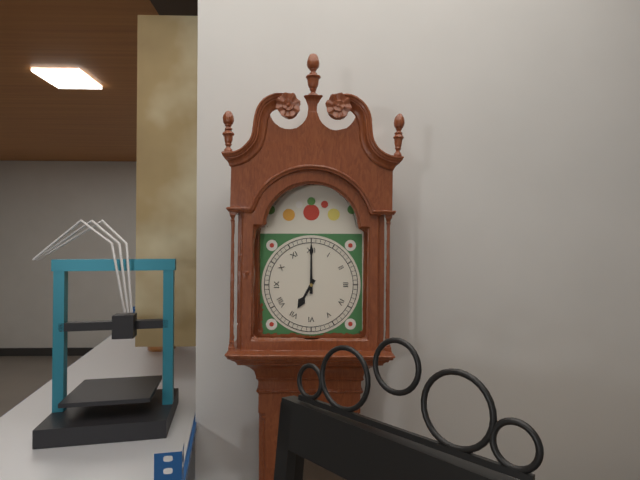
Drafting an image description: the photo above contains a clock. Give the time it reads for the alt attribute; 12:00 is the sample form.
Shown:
7:00
